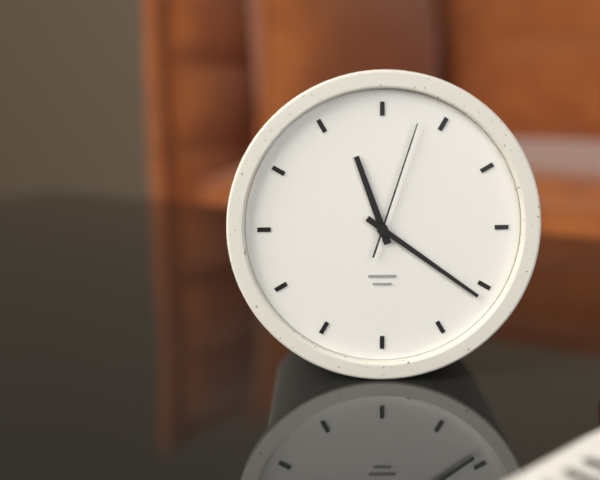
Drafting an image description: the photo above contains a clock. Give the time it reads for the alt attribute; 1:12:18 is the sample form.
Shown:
11:21:03
